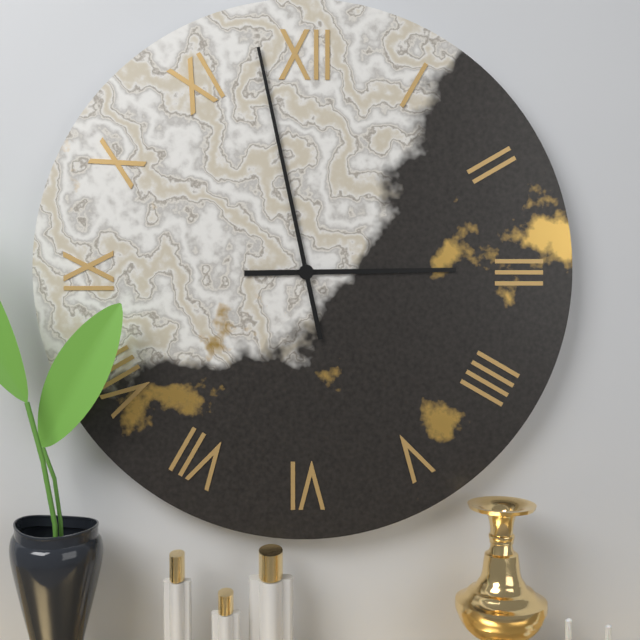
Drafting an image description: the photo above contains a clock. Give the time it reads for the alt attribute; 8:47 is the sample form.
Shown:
2:58
